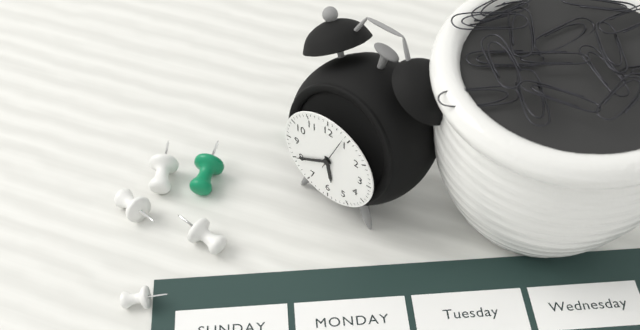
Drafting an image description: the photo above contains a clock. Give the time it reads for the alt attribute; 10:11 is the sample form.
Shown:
5:40
